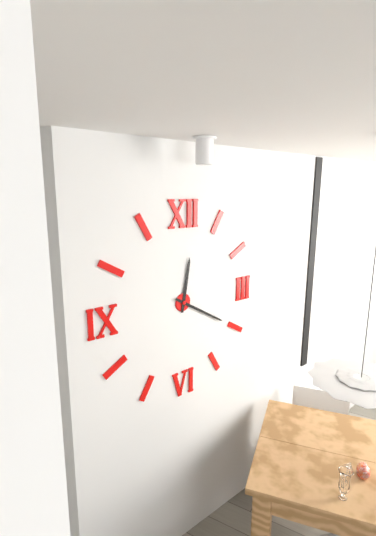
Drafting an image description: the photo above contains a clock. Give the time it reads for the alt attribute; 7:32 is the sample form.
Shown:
12:20
